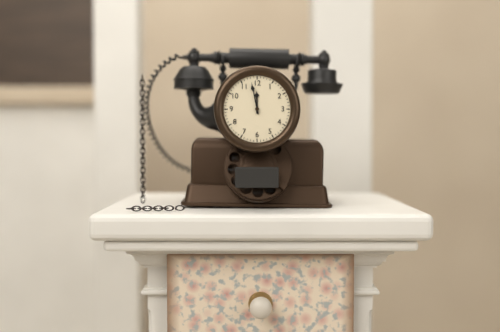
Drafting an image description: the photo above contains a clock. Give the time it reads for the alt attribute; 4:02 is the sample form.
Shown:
11:58
